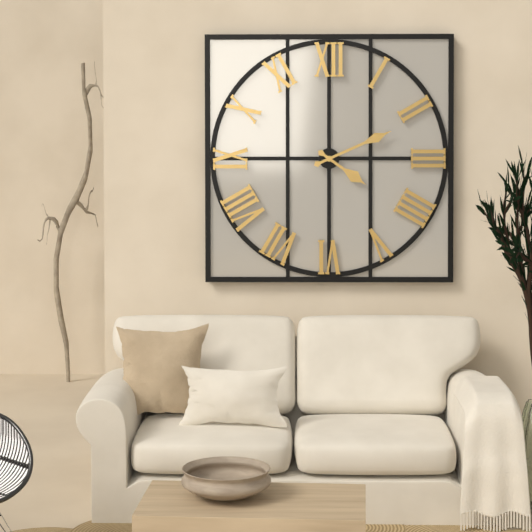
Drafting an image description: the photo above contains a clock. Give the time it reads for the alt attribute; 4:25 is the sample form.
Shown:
4:11
